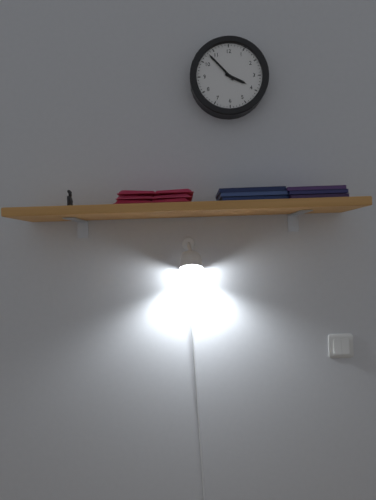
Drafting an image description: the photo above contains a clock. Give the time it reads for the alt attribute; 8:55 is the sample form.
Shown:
3:53
